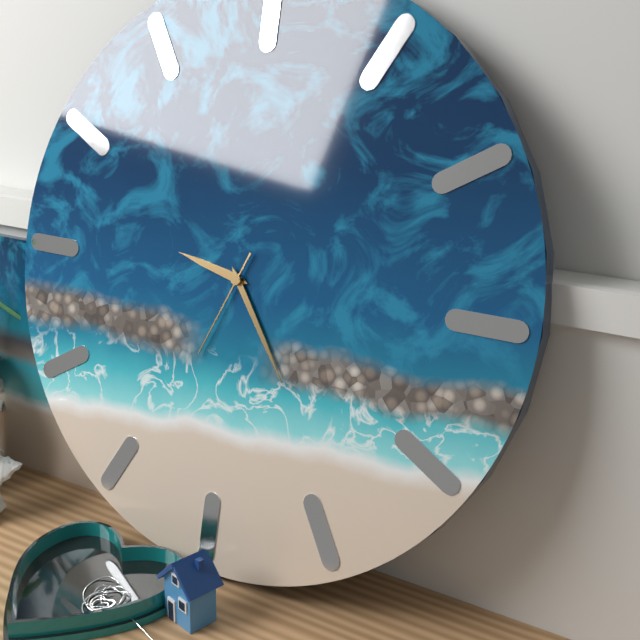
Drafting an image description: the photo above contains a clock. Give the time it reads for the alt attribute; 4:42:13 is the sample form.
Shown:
9:24:34
